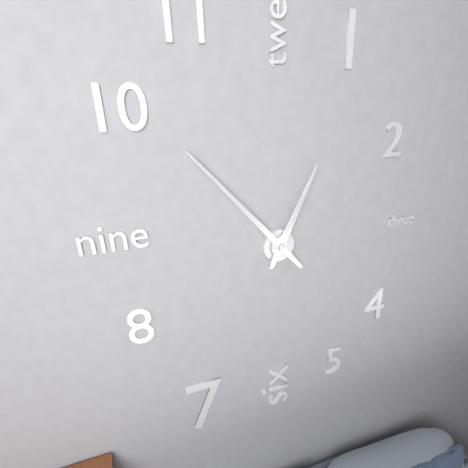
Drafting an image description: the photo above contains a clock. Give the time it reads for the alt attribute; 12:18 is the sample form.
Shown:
12:53
